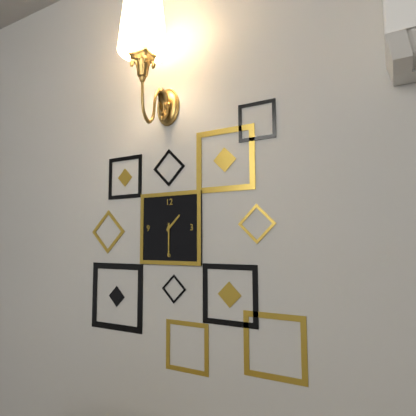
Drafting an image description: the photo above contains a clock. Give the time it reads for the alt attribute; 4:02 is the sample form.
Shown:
1:30
